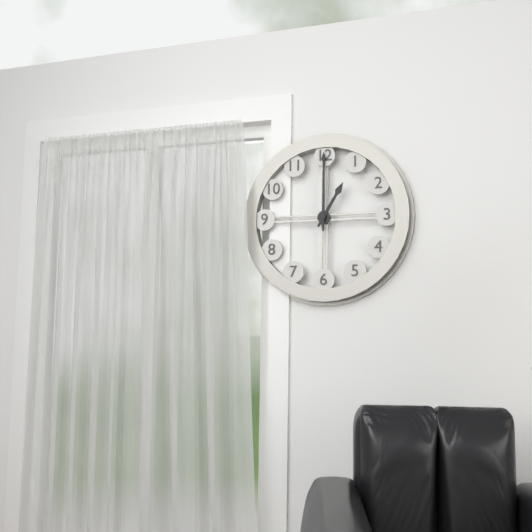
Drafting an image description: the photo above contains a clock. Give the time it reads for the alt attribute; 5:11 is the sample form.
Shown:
1:00
